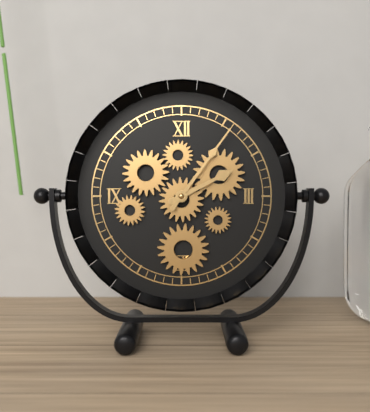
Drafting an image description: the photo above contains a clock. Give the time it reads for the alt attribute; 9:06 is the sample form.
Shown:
2:06
